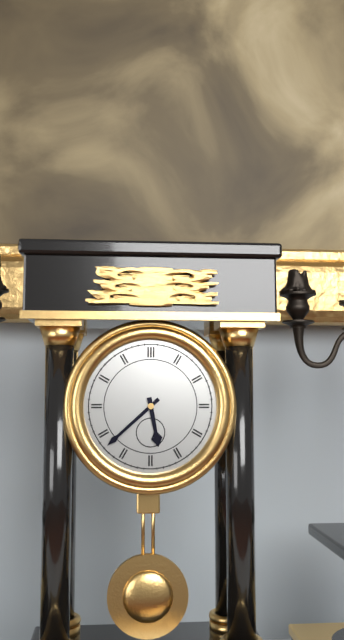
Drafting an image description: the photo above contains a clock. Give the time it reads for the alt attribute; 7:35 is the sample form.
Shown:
5:38
